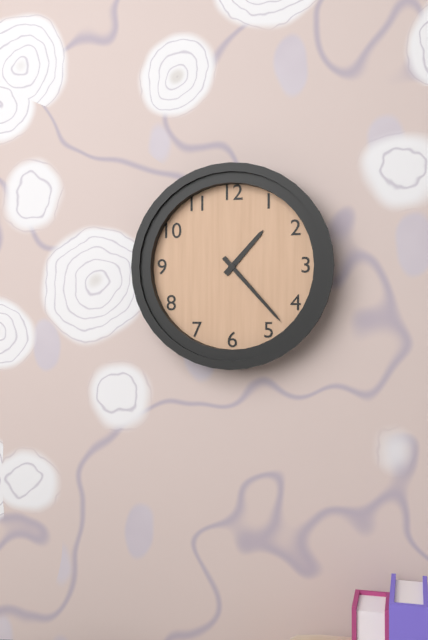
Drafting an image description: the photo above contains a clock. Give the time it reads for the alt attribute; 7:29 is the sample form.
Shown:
1:23
